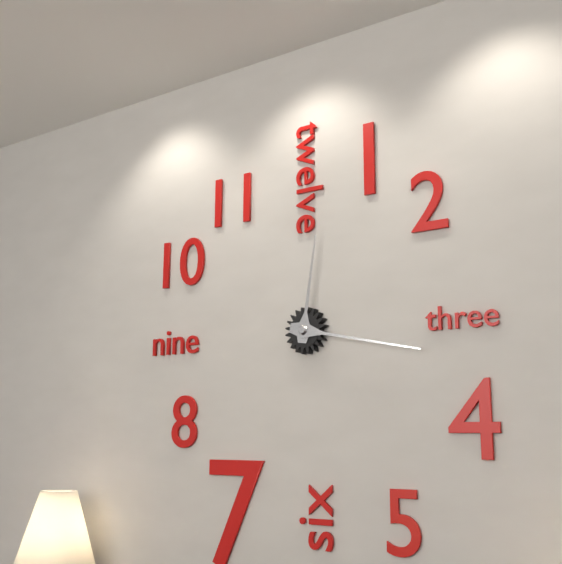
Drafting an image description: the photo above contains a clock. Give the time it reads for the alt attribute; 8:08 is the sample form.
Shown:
12:17
